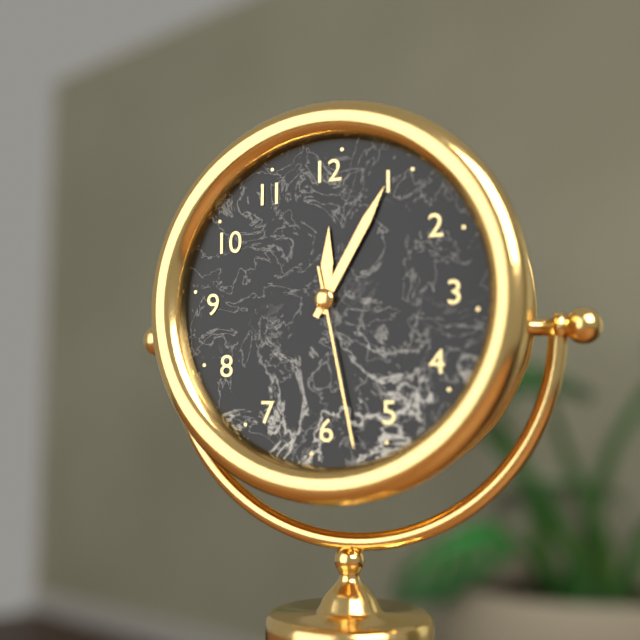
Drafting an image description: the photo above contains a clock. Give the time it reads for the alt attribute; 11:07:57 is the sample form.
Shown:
12:05:28
